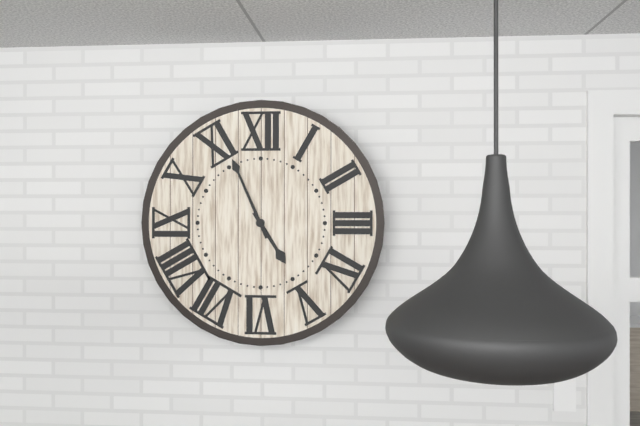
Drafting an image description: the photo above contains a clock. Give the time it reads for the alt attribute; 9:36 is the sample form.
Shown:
4:56
